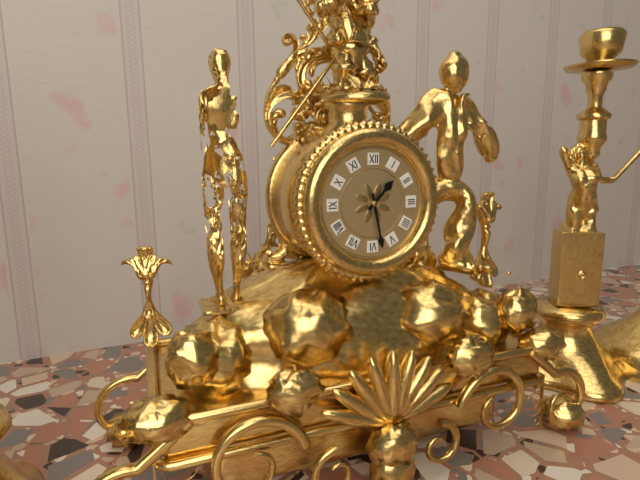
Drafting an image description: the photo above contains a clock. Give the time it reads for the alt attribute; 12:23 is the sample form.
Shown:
1:28
